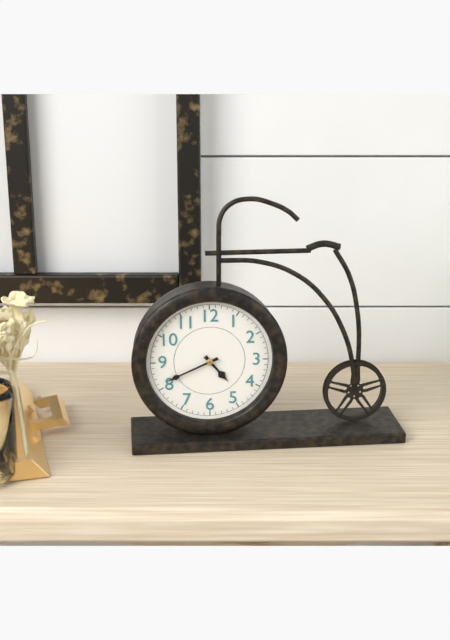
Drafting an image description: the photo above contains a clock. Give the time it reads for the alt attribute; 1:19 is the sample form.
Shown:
4:41
